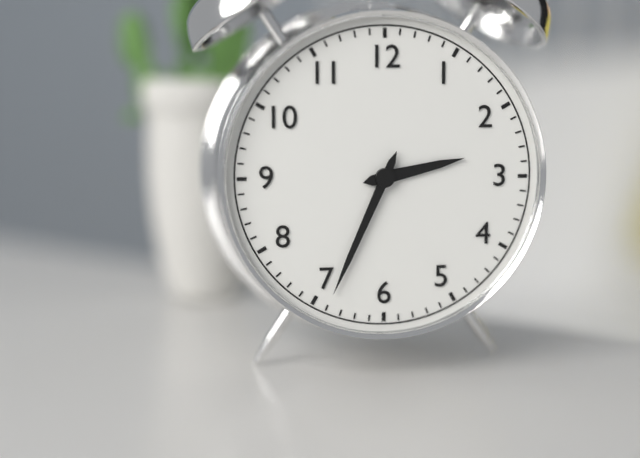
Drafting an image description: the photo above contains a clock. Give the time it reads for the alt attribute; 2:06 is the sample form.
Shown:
2:34
